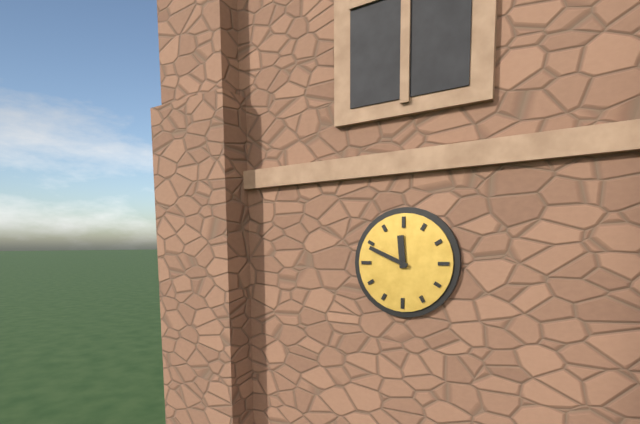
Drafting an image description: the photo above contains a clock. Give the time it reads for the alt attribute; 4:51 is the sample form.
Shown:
11:49
